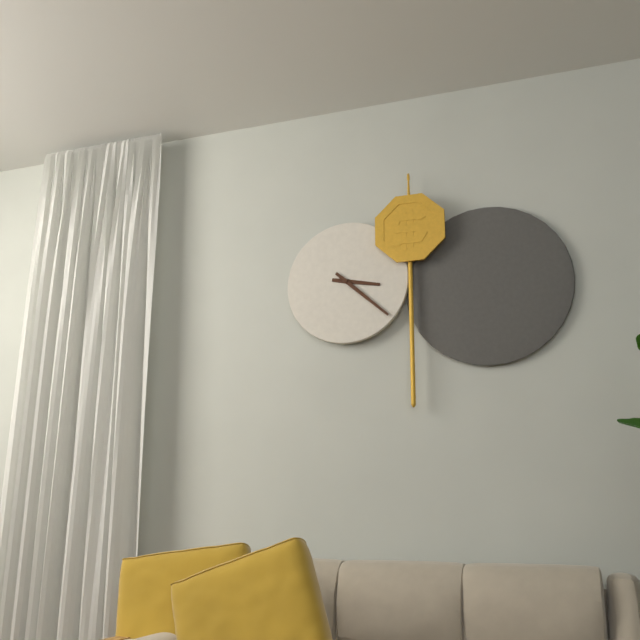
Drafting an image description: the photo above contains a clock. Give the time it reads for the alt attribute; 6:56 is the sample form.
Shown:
3:22
